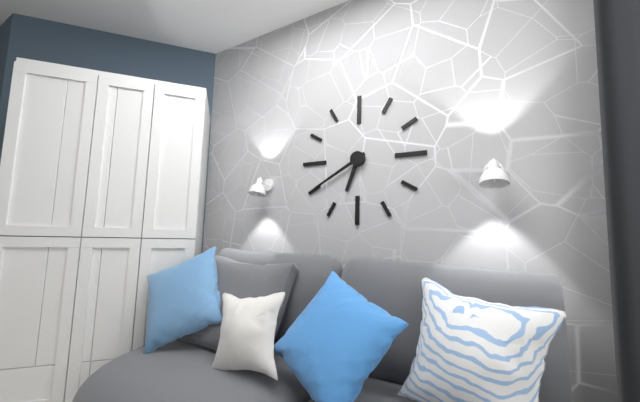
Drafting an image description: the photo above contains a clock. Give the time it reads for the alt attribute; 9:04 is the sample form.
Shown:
6:40
